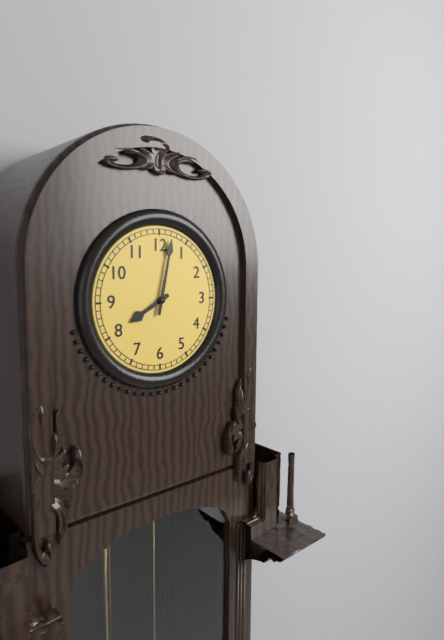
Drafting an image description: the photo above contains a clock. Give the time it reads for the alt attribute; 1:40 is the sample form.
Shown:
8:02
